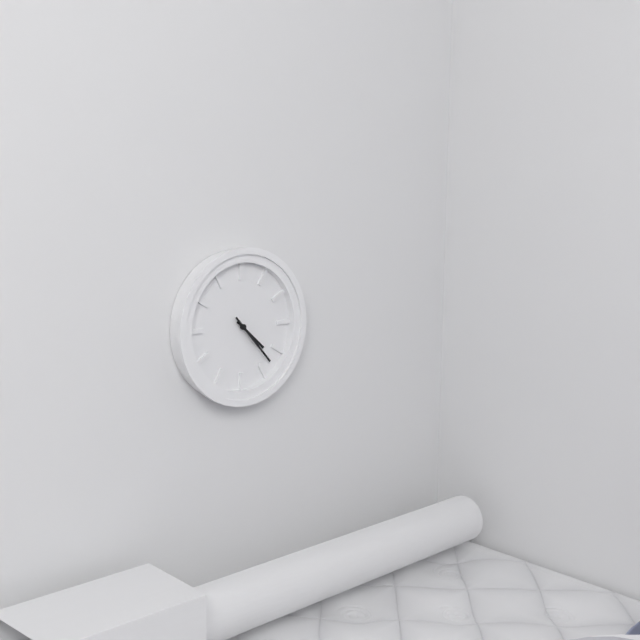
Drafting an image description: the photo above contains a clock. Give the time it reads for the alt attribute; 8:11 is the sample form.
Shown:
4:23
